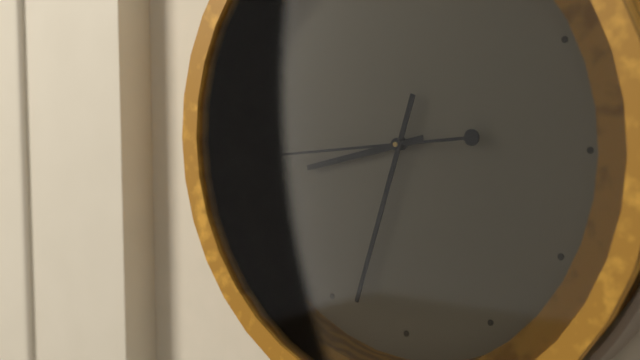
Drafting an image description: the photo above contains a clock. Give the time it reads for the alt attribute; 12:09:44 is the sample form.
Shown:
8:33:44
